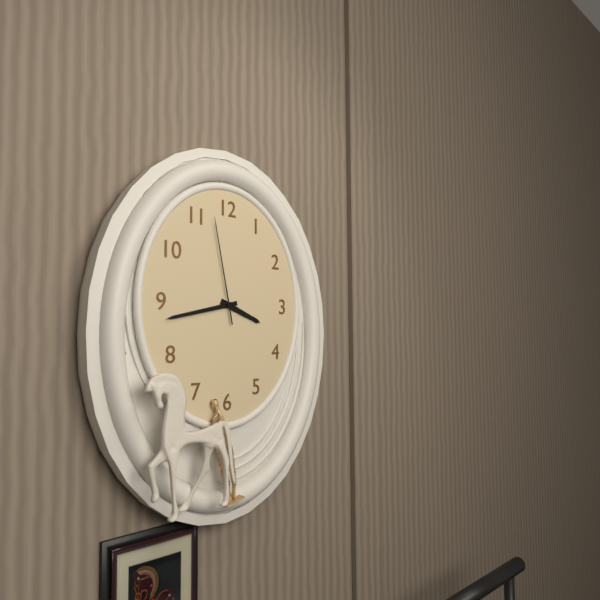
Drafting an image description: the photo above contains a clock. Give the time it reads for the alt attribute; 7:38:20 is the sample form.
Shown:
3:43:58
